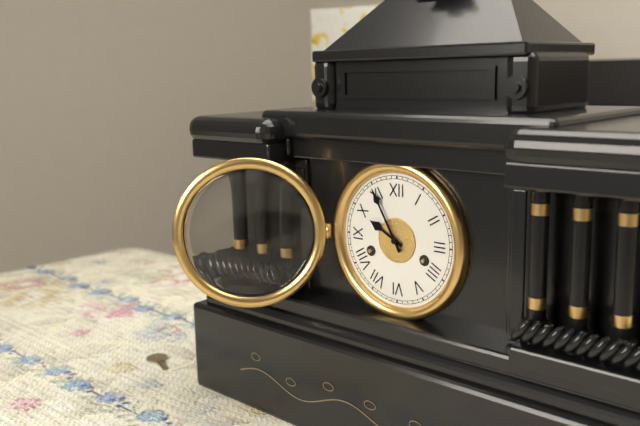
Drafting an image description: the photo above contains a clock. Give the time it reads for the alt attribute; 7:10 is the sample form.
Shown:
9:55
